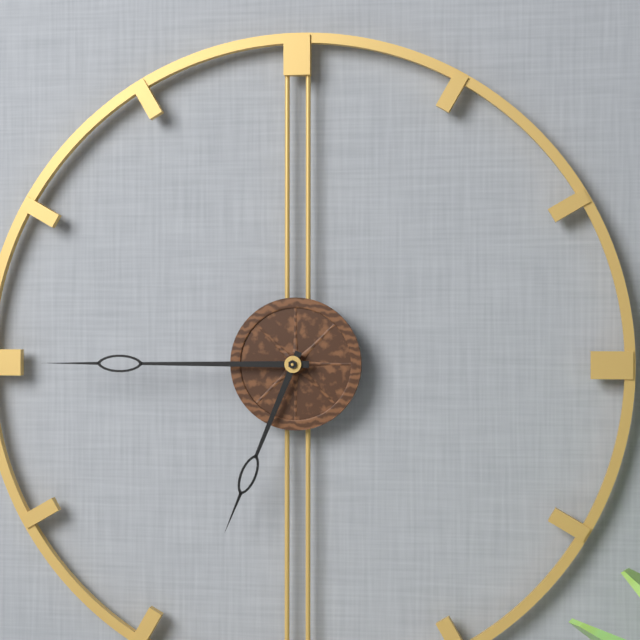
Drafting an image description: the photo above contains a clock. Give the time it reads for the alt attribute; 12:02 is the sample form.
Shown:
6:45
